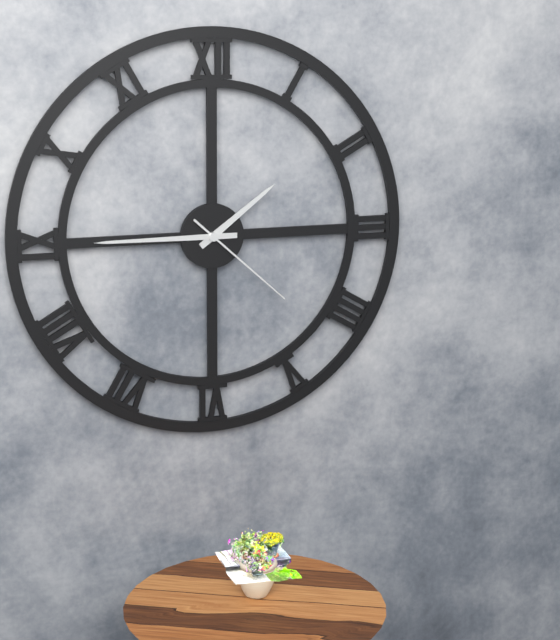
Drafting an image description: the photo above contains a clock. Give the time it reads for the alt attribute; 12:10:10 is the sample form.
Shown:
1:45:22
